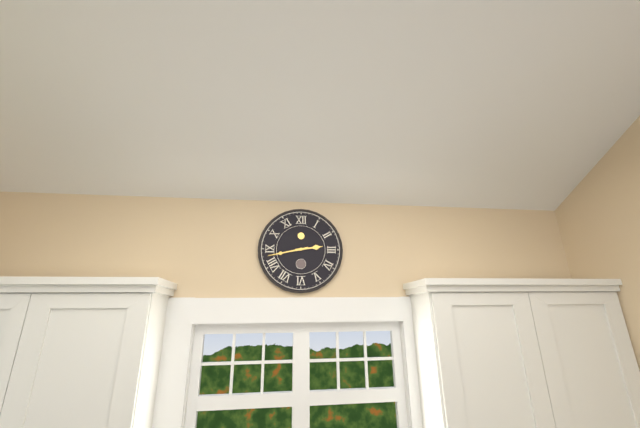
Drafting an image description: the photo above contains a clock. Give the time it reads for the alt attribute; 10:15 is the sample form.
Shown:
2:43
